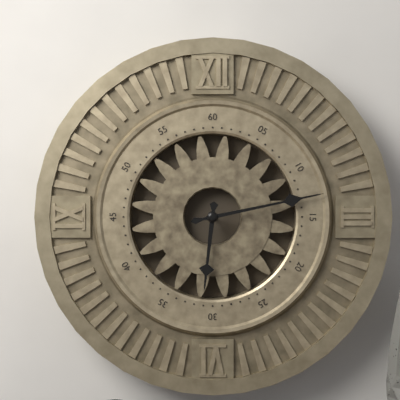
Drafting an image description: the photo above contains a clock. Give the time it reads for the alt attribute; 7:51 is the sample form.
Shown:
6:13
